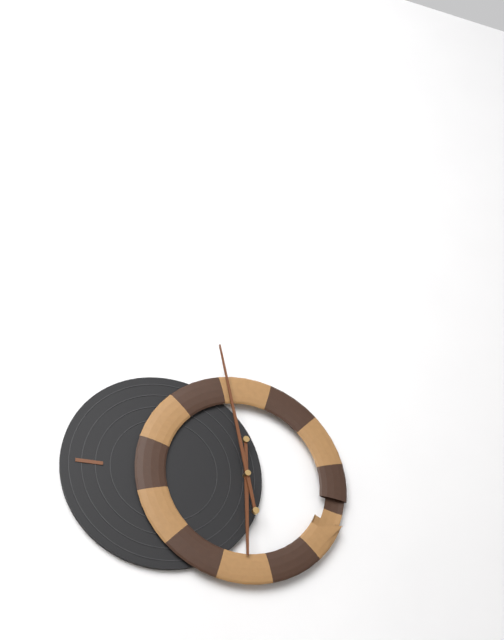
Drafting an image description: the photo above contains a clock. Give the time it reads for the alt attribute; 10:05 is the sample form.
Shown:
5:58
